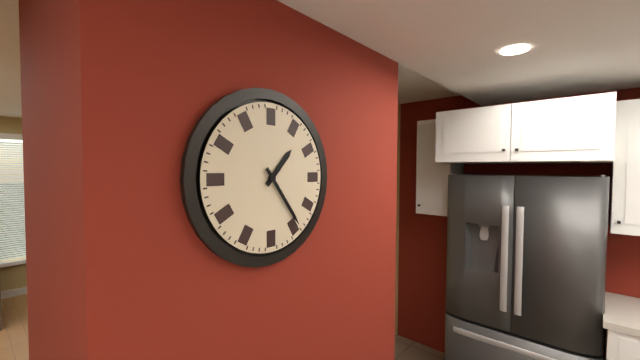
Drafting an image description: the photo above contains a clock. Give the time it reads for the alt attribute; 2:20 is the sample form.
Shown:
1:24
